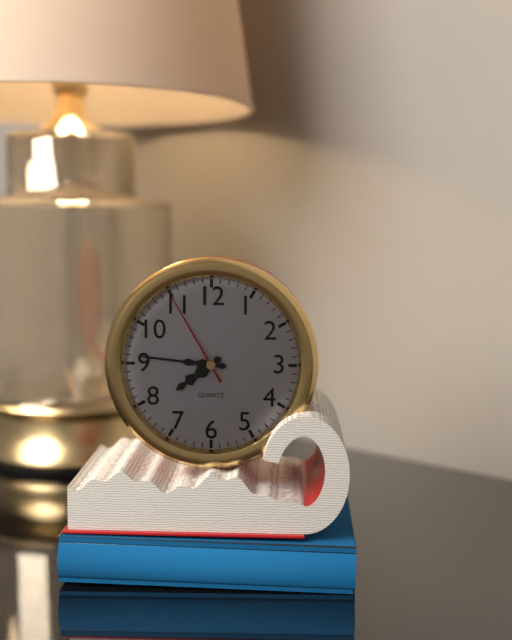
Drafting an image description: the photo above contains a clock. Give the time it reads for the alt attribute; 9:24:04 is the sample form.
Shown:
7:46:55
